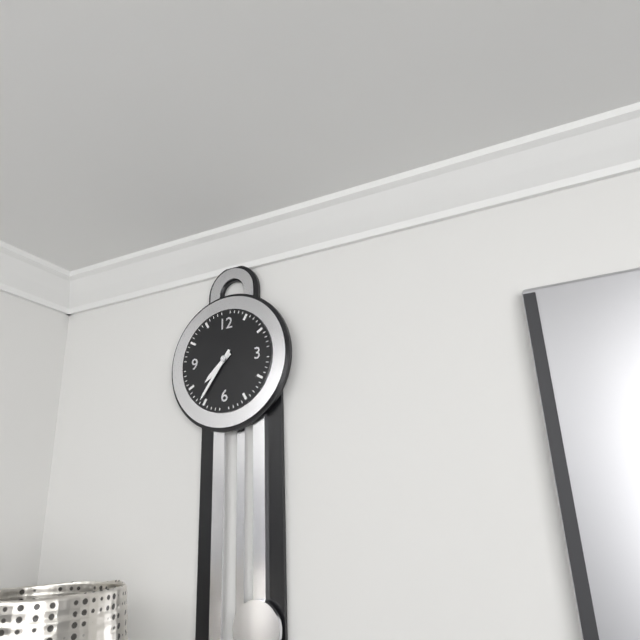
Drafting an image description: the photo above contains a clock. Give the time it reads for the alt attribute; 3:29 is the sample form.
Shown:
7:36
